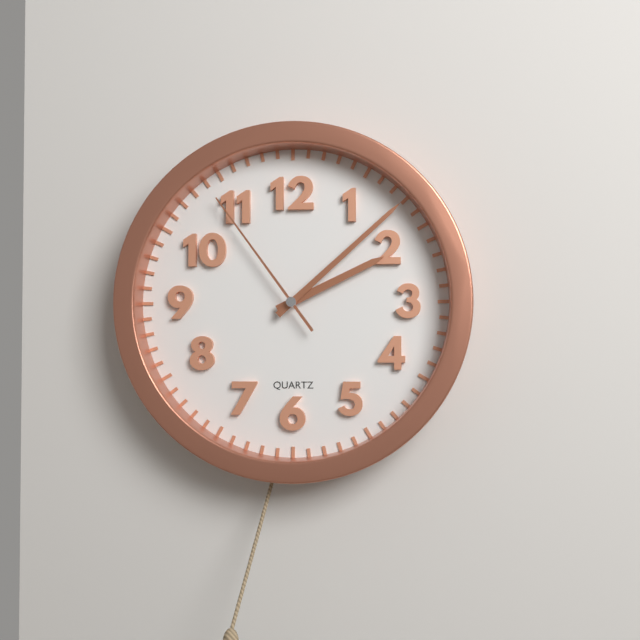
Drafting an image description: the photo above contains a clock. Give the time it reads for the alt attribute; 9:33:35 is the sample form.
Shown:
2:08:54
